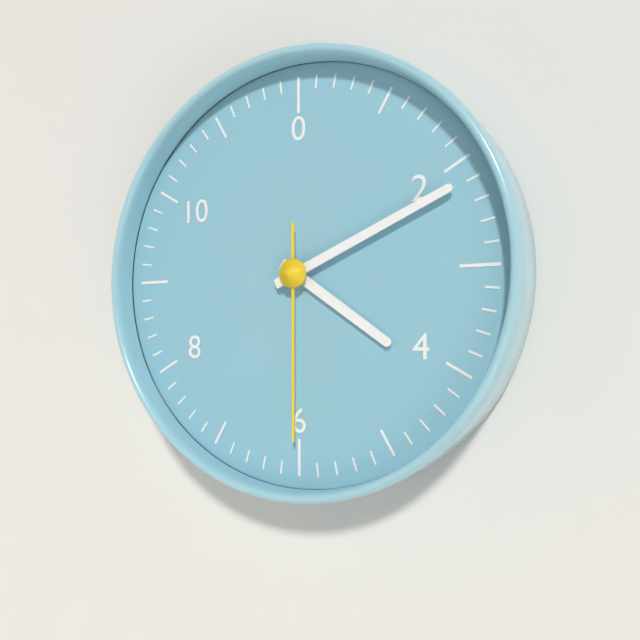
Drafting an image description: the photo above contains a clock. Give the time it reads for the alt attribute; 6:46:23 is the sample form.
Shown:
4:11:30
